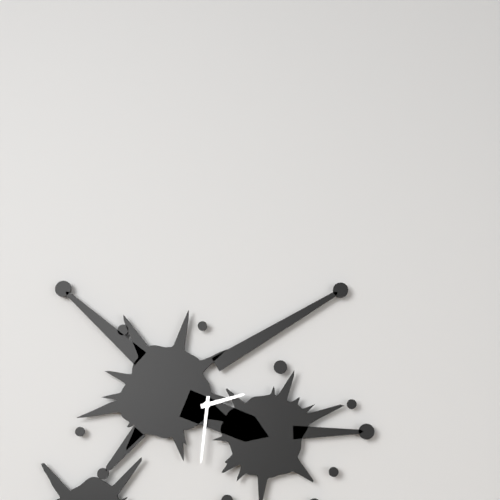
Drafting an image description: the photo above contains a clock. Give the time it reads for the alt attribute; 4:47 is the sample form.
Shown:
2:31
